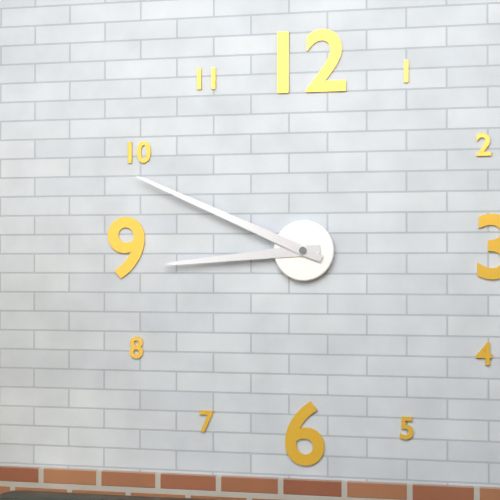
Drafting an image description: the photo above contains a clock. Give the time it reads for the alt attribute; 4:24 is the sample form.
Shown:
8:49
